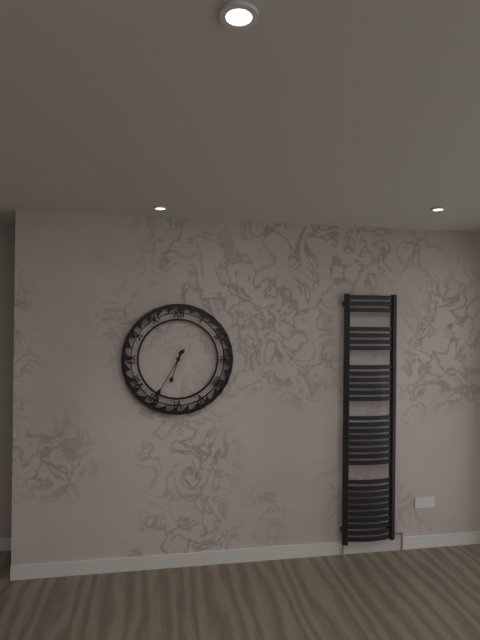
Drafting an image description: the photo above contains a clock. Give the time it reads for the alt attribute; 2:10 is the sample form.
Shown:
6:35
